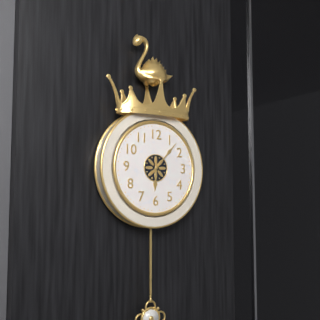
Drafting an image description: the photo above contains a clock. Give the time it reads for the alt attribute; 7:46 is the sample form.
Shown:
6:07
